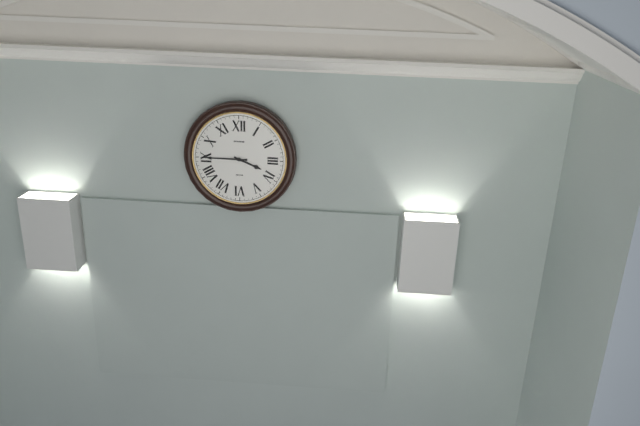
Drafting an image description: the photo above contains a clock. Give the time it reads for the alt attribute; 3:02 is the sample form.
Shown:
3:45
